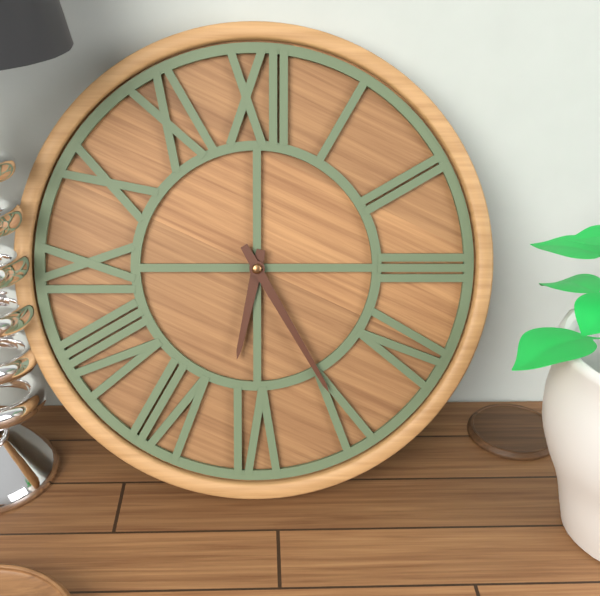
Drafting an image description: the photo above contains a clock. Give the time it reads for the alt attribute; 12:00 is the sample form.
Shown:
6:25
